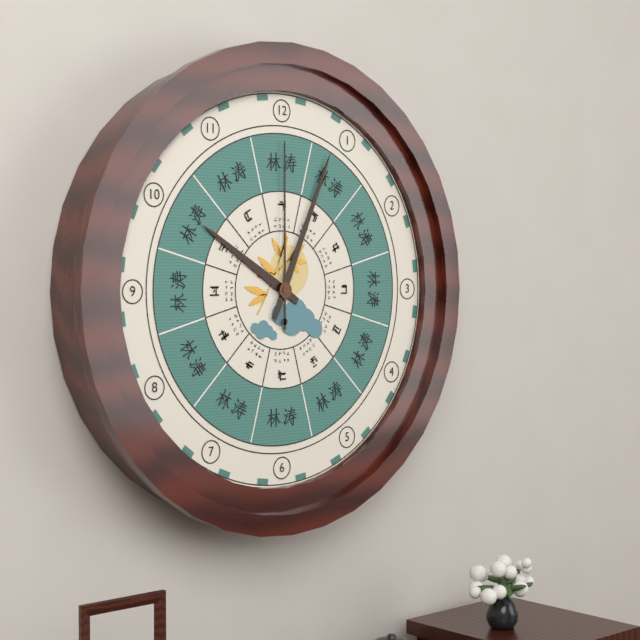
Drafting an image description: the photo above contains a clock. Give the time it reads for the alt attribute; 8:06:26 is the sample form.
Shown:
10:04:00
